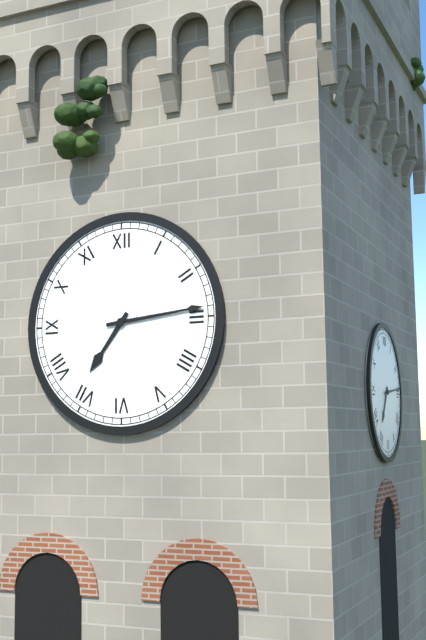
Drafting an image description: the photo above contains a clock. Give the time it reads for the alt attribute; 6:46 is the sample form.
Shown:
7:14
